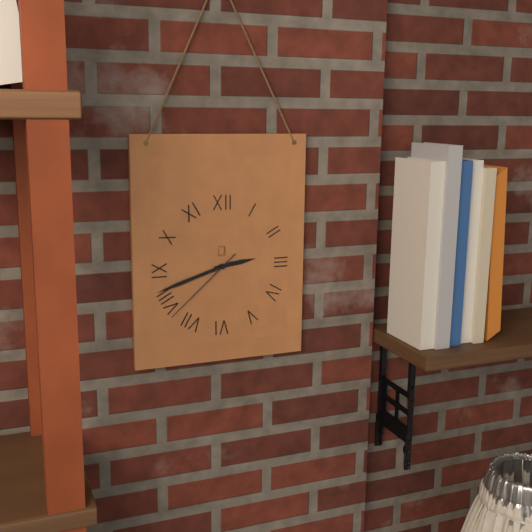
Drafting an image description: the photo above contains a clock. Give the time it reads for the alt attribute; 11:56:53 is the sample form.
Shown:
2:42:38
